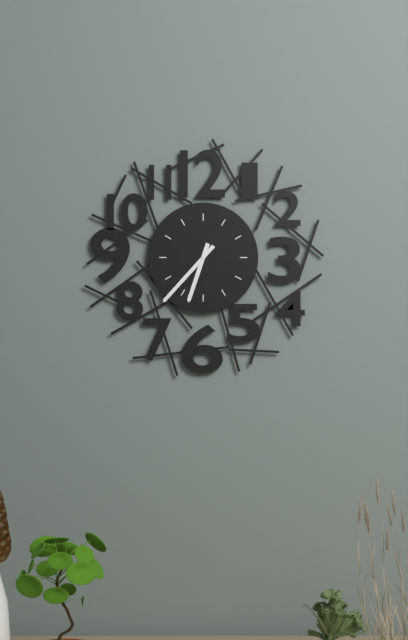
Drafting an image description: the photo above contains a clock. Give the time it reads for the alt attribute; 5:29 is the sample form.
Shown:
6:37
